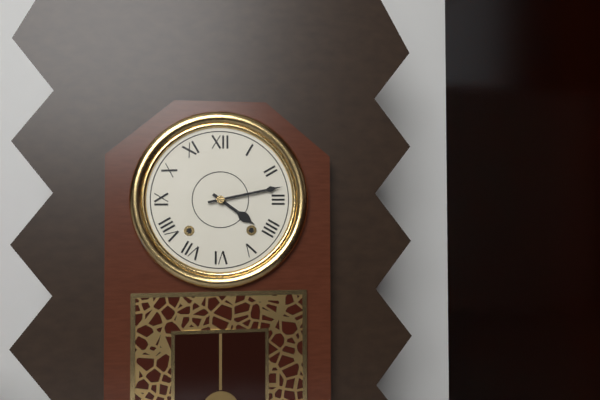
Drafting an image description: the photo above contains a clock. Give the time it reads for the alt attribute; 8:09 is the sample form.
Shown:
4:13
